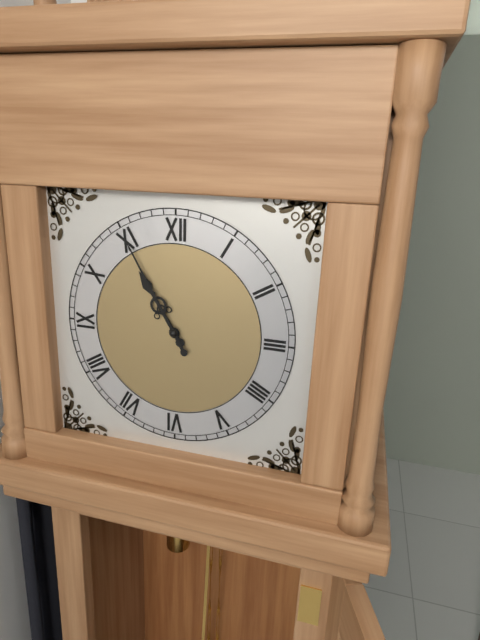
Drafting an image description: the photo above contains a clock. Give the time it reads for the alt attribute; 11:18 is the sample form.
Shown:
10:55
